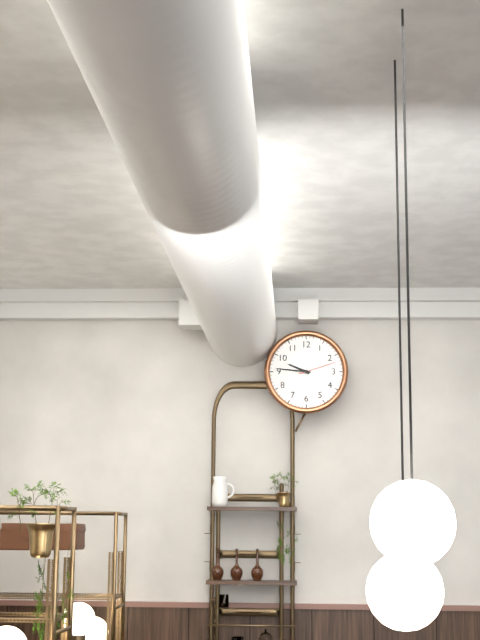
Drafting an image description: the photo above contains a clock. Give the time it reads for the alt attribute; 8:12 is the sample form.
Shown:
9:46
